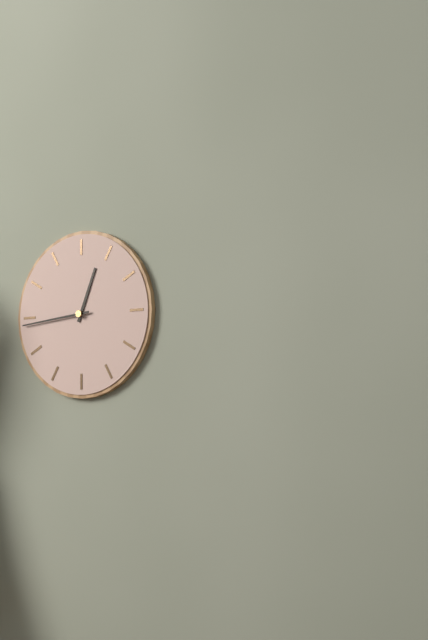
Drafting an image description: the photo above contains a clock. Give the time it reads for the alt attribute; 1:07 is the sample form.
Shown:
12:44
